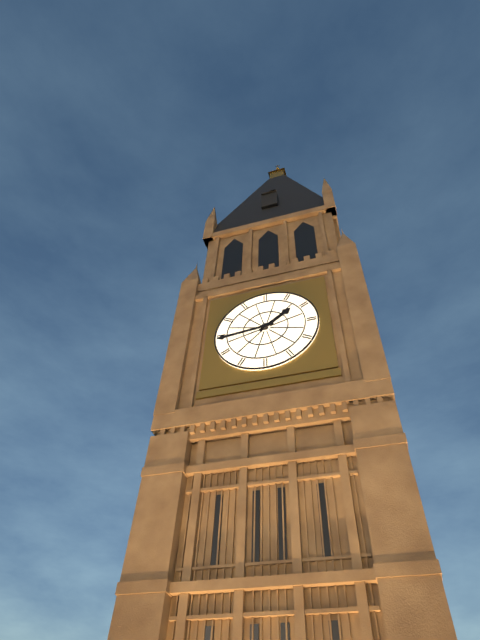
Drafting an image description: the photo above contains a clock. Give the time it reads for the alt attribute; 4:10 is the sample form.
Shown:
1:44
